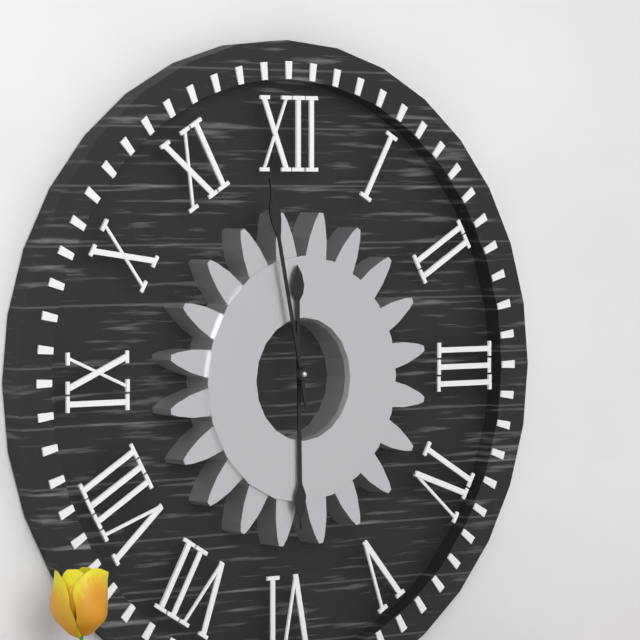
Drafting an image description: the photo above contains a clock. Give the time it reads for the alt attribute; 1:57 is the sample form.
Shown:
5:58
